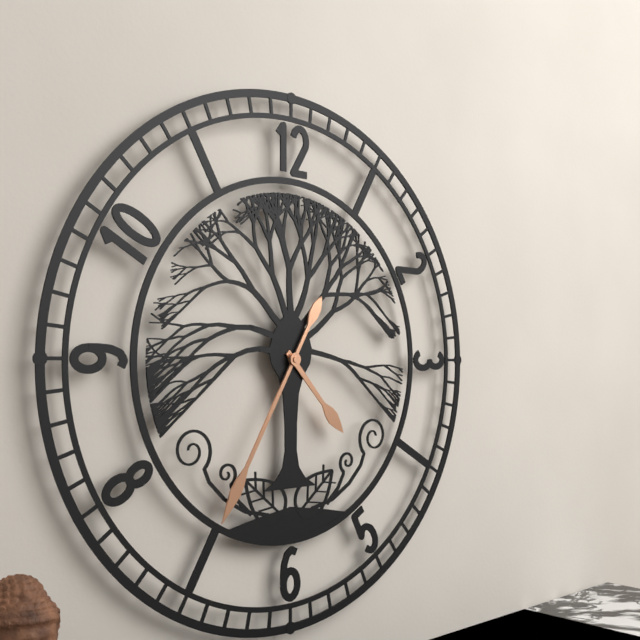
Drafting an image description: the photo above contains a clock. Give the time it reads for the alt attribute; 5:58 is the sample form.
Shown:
4:35
